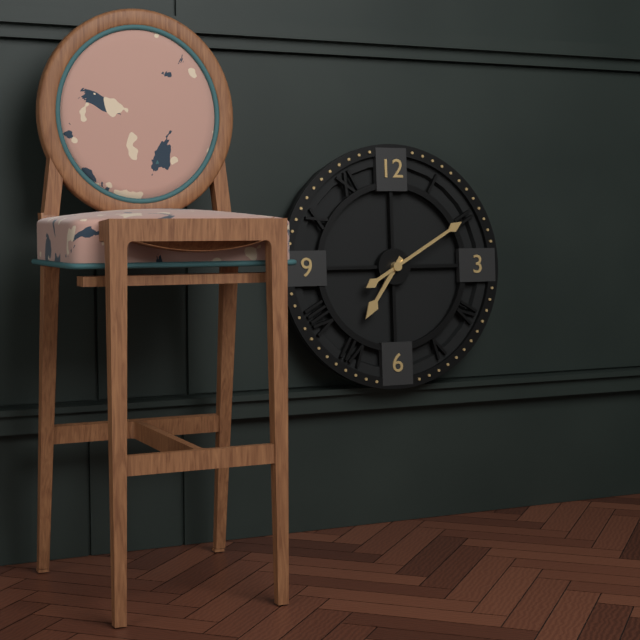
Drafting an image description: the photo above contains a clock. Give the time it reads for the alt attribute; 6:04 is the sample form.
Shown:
7:10
